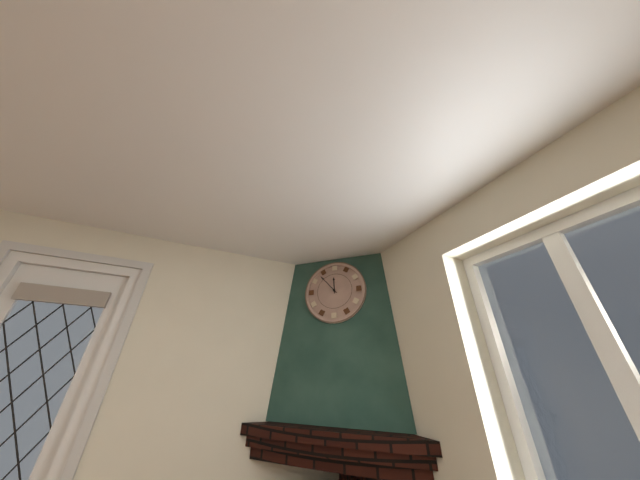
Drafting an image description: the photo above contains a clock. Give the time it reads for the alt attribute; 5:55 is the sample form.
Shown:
11:53
